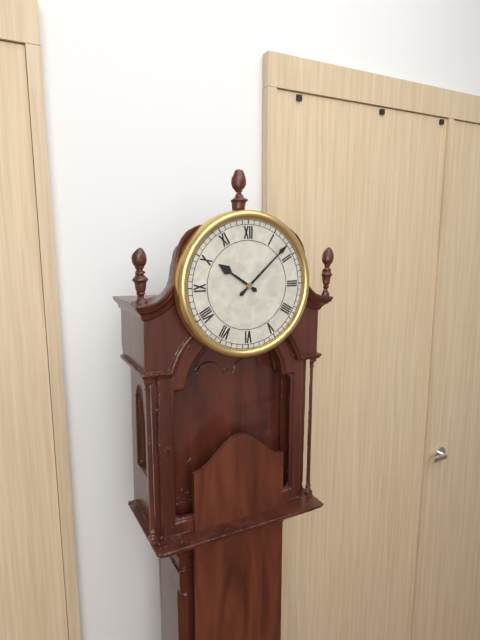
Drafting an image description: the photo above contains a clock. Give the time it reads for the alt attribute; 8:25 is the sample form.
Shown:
10:08
